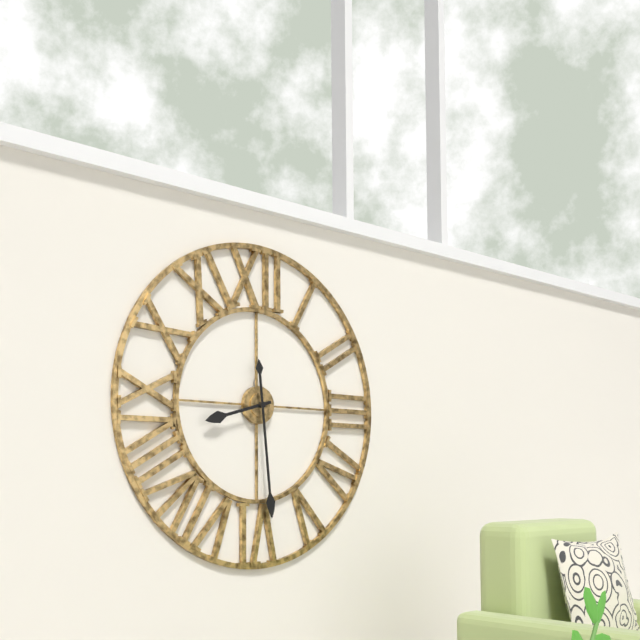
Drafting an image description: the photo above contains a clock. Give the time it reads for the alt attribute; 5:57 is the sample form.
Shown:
8:29
